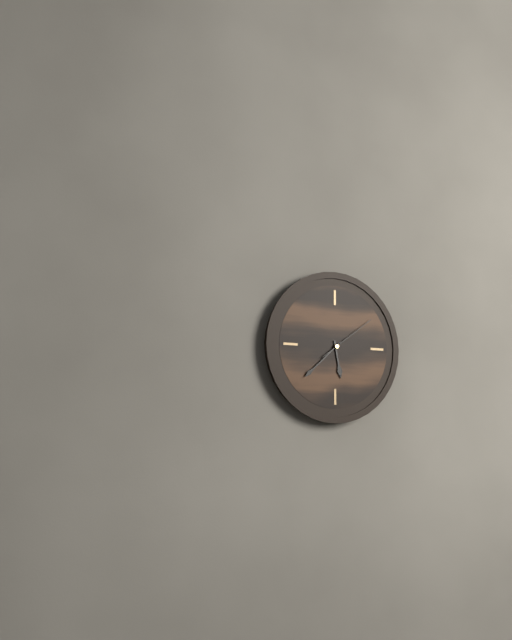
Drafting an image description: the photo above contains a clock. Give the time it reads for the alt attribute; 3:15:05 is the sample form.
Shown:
5:38:09
